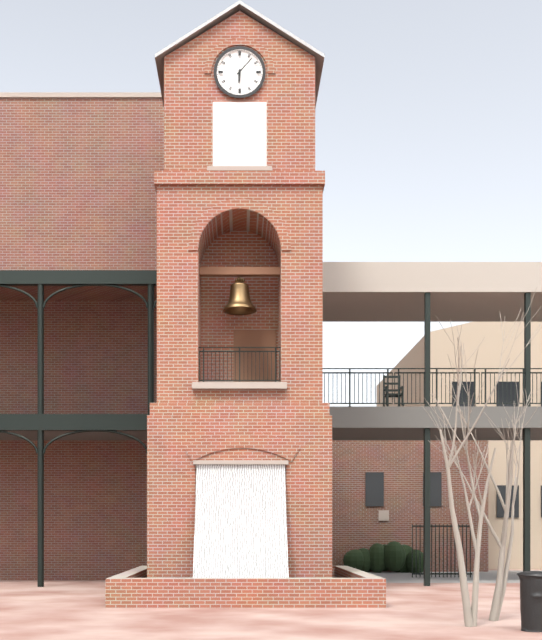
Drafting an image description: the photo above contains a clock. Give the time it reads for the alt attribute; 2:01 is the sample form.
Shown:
6:07
